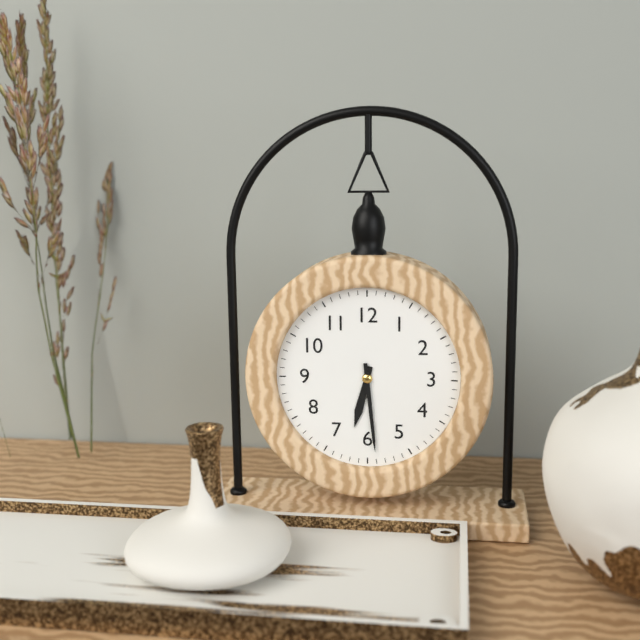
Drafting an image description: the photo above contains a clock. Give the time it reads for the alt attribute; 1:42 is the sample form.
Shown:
6:29
